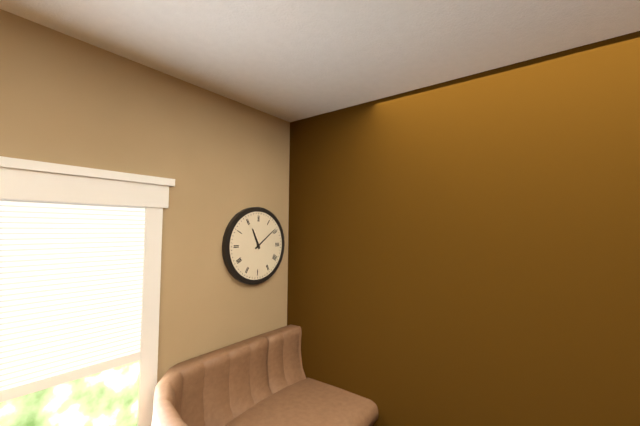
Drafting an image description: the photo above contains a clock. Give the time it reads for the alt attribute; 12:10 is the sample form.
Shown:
11:09
